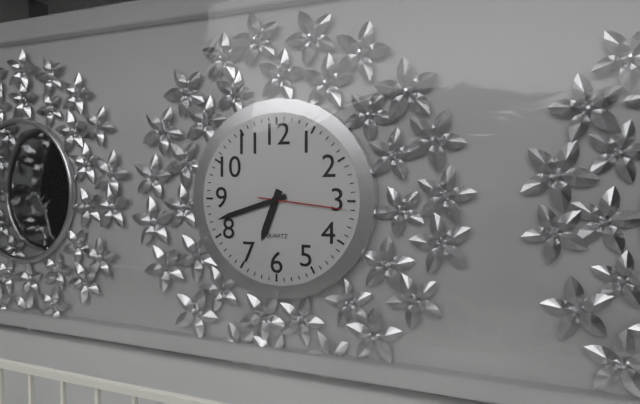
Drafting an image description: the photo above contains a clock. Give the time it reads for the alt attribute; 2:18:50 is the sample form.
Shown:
6:42:16
